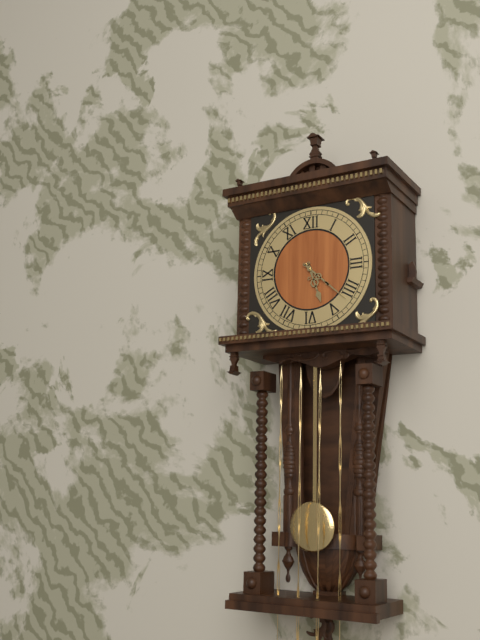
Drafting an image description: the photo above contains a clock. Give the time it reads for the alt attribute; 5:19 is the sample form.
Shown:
5:22
